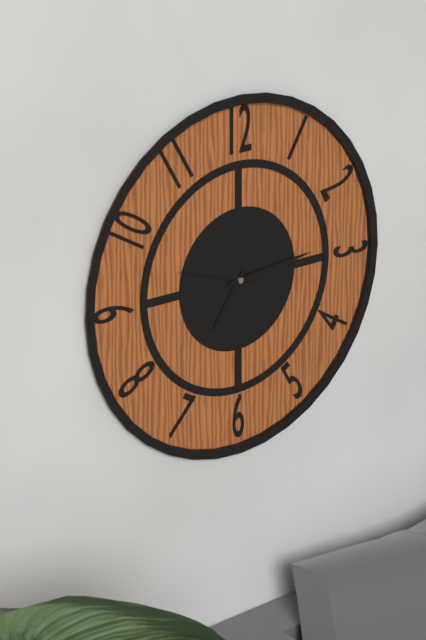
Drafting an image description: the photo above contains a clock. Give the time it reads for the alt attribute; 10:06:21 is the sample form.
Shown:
7:14:48
